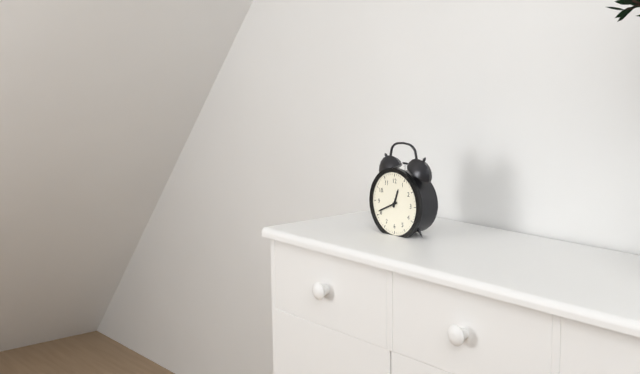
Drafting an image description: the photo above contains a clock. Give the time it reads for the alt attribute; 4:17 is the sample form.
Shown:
12:41
